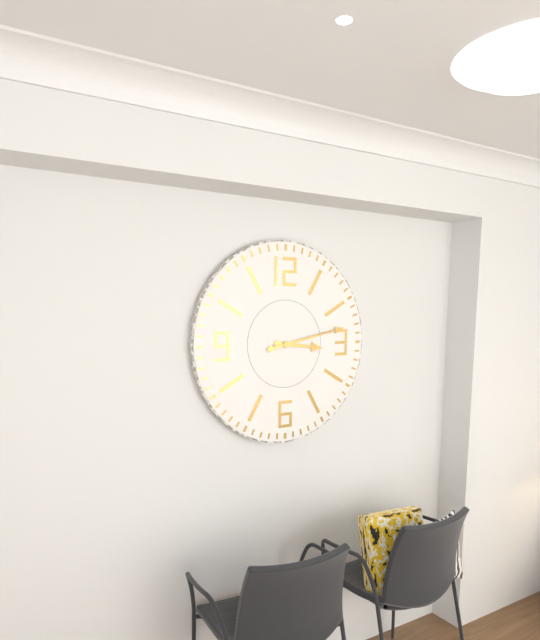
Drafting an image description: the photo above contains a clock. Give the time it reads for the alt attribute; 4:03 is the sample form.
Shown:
3:13
